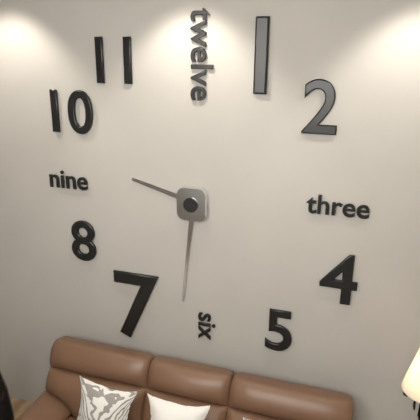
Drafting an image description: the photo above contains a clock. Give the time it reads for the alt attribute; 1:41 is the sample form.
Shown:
9:31
